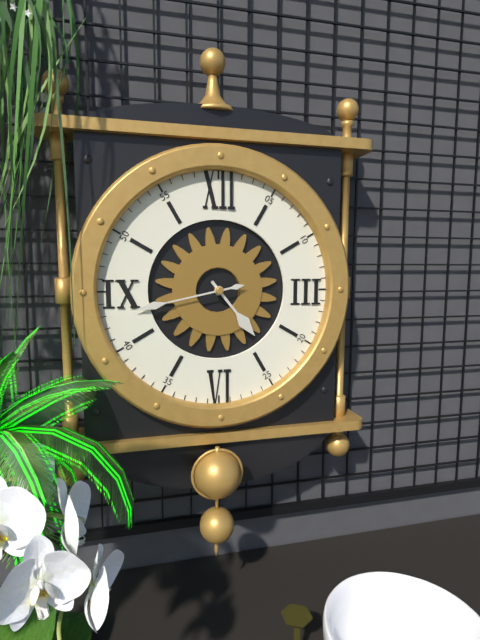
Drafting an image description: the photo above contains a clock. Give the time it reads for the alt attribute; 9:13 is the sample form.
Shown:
4:43
